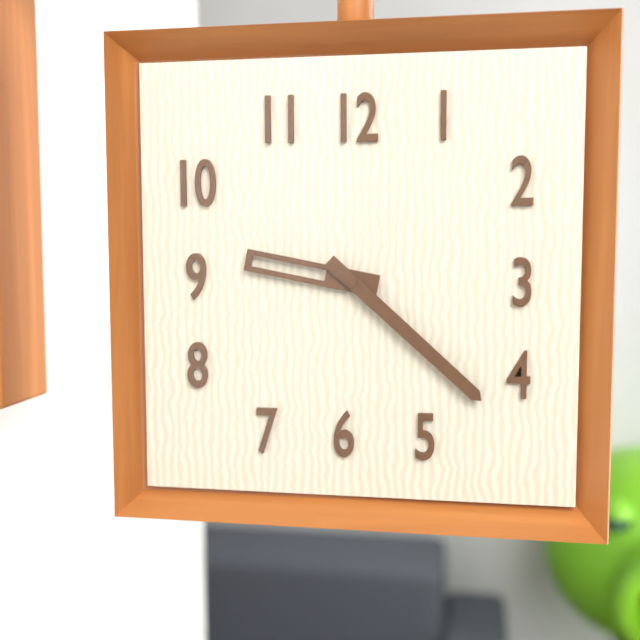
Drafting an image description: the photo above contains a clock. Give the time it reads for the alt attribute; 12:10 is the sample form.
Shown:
9:22
